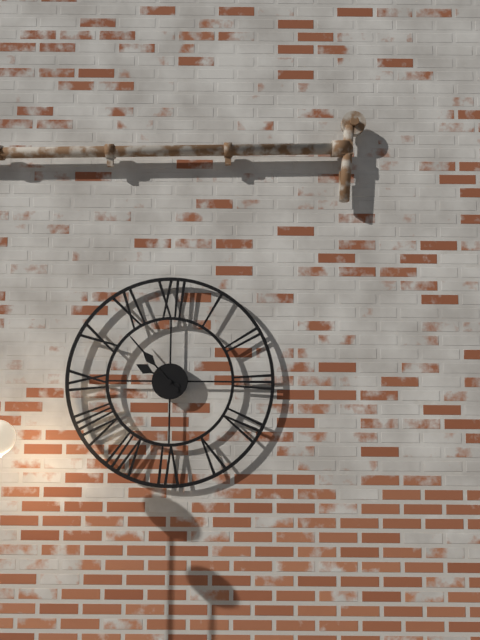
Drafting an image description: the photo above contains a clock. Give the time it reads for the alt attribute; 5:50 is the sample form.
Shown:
9:53
